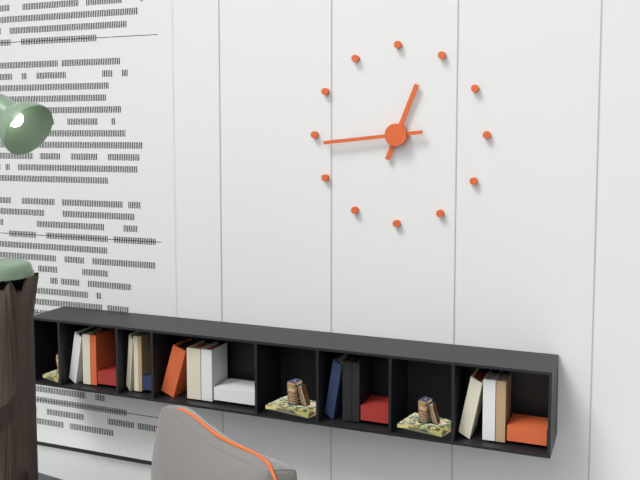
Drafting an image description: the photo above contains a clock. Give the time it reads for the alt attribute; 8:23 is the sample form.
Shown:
12:44
